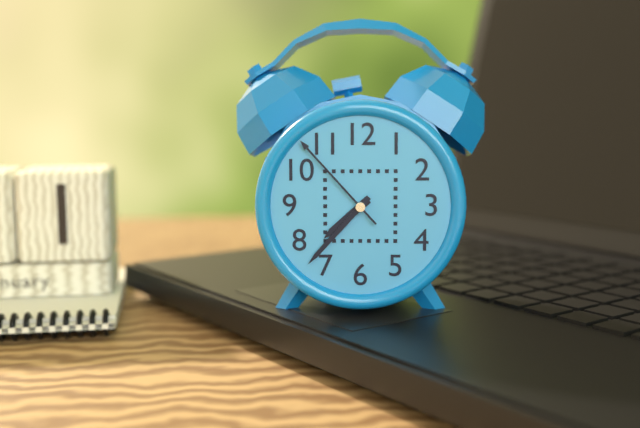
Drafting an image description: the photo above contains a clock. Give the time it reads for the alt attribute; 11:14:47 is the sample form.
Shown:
7:37:53
